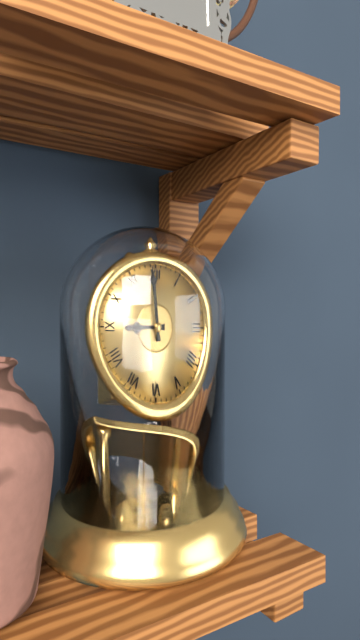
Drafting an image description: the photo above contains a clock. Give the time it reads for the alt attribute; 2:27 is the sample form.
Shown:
8:59
